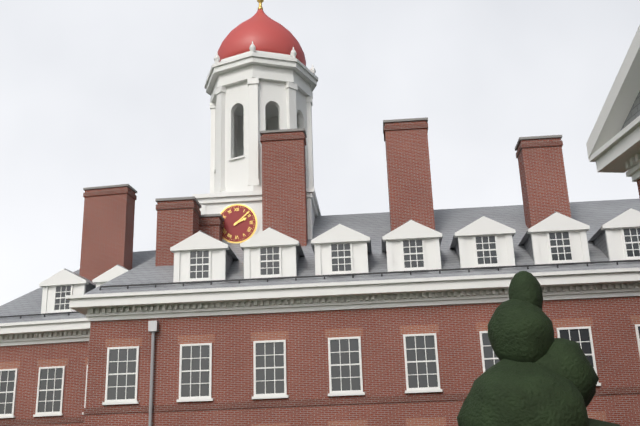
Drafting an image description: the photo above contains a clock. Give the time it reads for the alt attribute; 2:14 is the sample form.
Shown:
2:08
